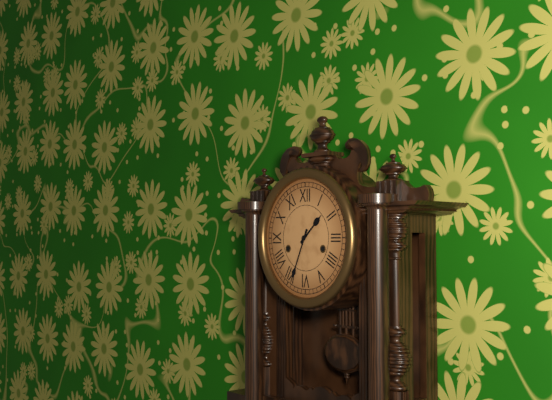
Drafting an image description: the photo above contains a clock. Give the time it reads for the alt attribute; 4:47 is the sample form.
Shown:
1:34
